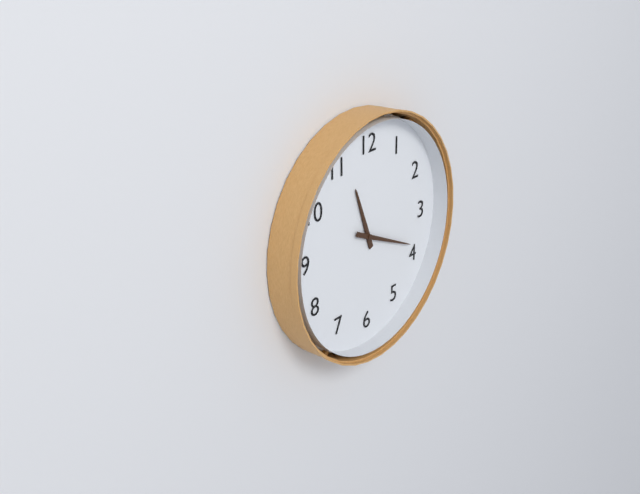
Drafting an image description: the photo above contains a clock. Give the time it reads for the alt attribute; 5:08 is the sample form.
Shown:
11:19
